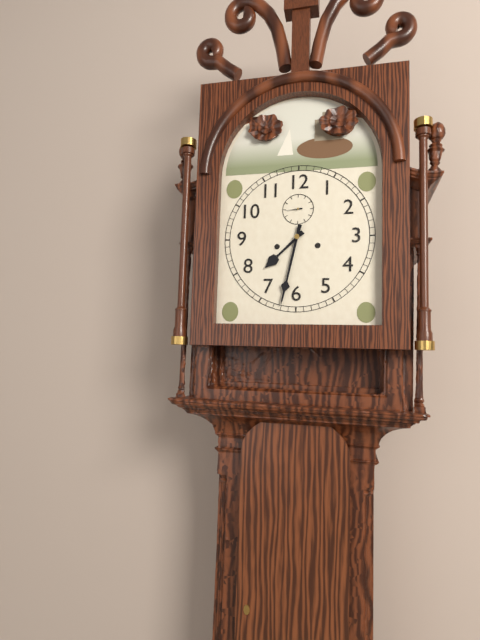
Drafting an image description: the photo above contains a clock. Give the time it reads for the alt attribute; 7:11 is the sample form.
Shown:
7:32
